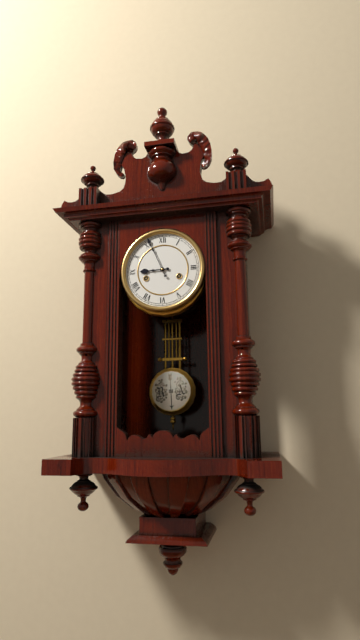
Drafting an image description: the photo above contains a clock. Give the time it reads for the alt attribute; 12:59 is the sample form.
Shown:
8:56
